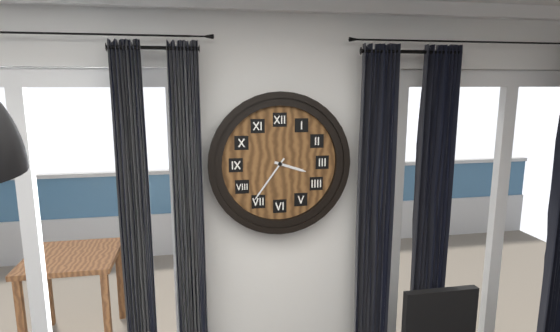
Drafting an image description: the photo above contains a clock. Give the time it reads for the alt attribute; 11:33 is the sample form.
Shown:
3:36
